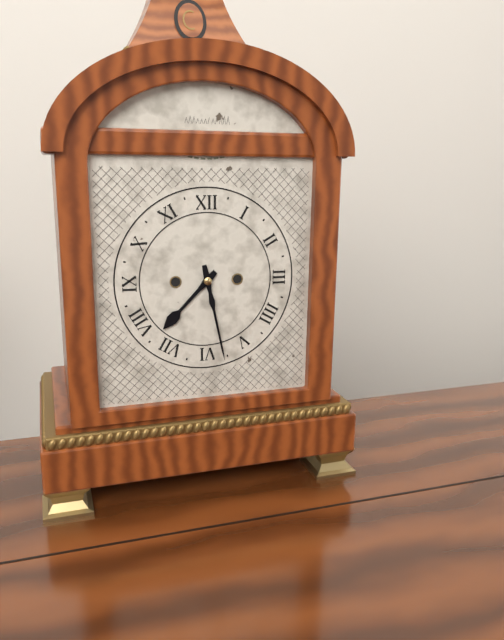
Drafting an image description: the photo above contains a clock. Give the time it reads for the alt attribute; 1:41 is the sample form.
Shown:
7:28
